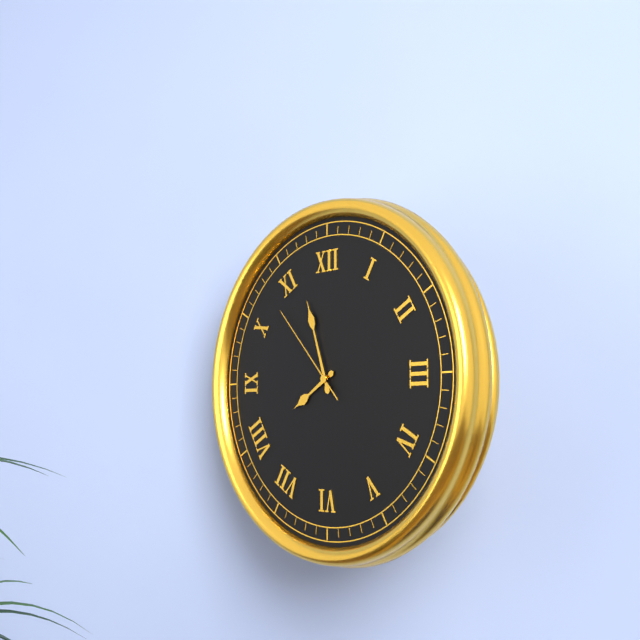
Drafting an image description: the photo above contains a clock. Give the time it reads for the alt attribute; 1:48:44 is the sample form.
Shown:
7:57:53
